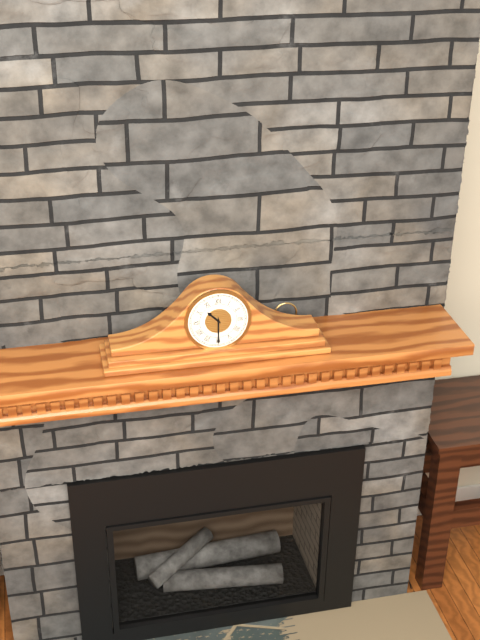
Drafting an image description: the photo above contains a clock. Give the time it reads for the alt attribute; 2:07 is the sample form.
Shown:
10:30
